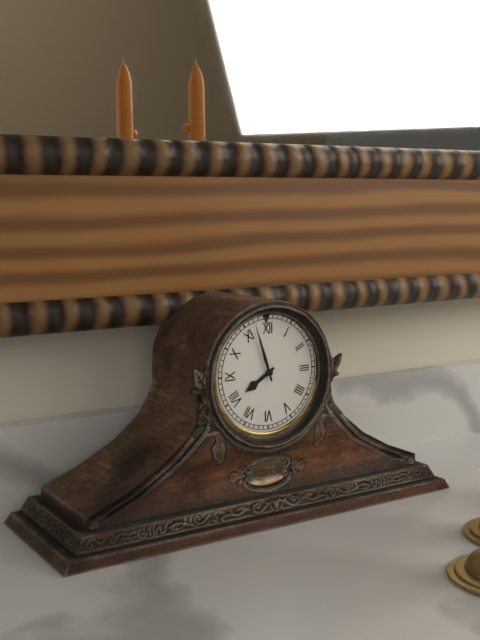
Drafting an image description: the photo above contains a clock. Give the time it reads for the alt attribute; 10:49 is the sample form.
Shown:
7:57
